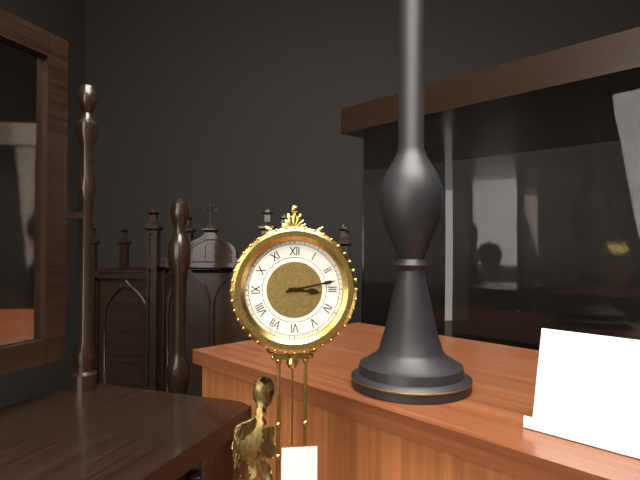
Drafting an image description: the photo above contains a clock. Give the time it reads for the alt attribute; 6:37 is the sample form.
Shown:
3:13
